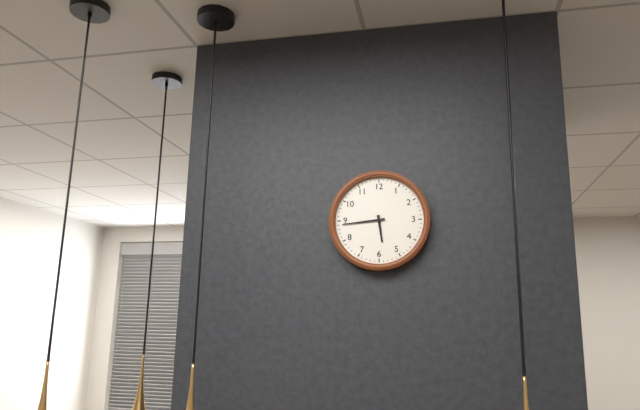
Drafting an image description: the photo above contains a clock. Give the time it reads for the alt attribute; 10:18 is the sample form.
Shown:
5:44
